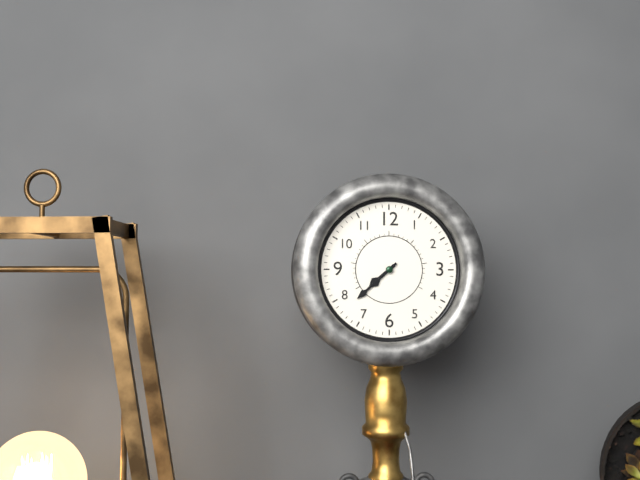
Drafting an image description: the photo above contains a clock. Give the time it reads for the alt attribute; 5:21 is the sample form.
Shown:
7:38
